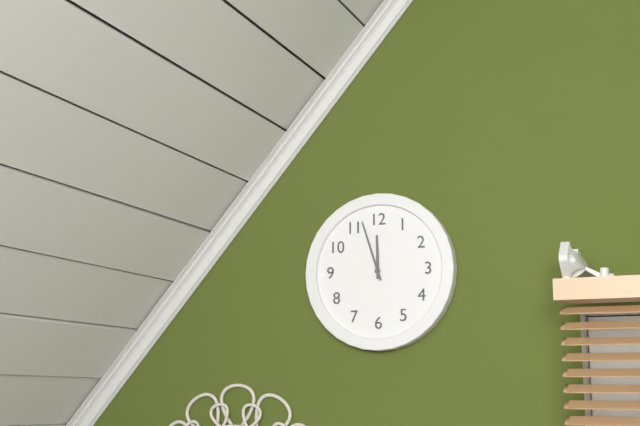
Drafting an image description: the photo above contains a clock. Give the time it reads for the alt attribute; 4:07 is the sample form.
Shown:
11:57
